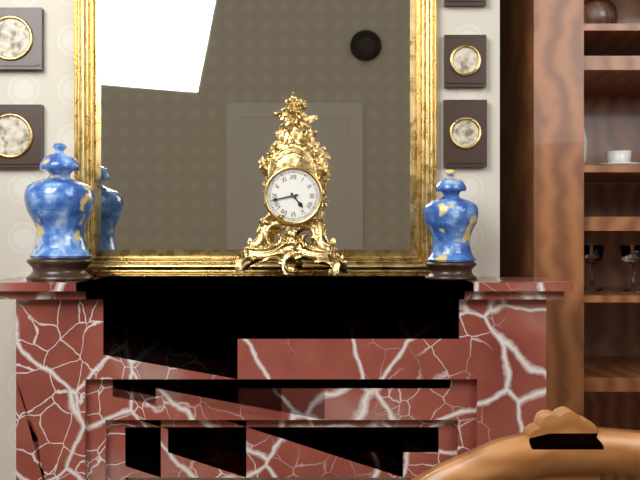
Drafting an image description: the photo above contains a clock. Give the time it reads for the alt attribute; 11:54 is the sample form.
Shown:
4:43
